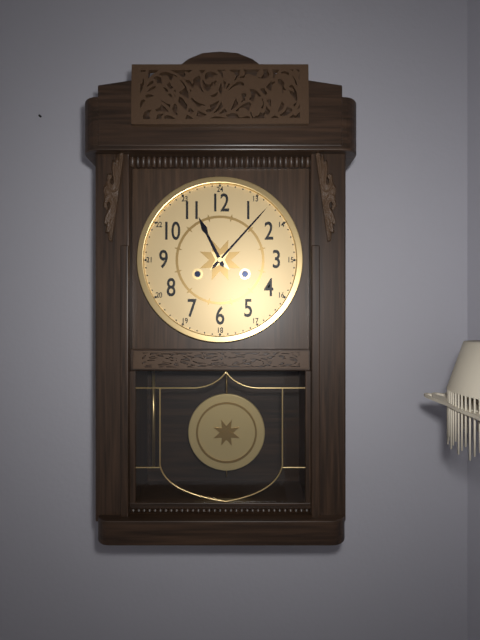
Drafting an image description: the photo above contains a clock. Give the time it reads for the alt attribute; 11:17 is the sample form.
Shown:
11:07
